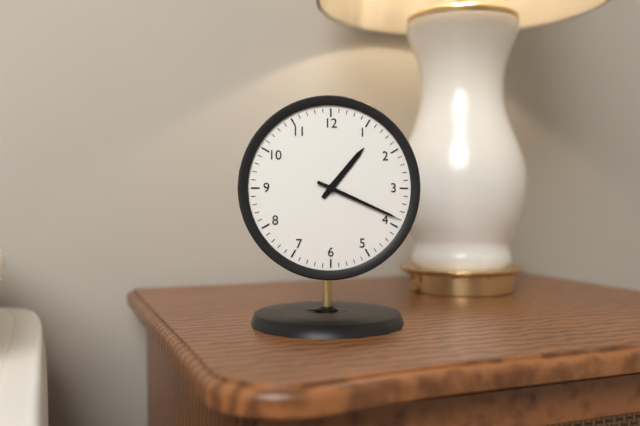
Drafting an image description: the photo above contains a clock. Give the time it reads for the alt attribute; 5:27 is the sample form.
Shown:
1:19
